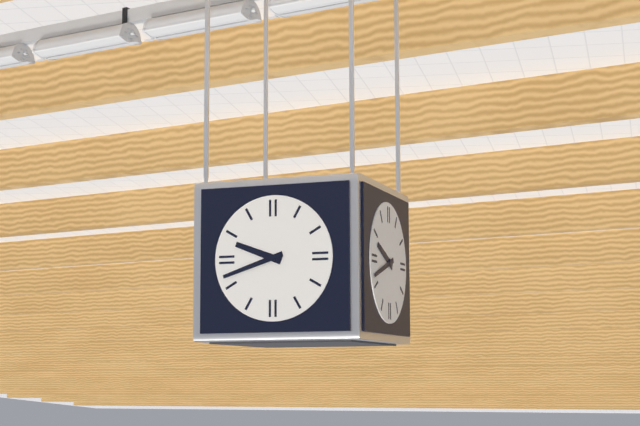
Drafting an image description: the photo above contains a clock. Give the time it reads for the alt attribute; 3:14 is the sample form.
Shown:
9:42
